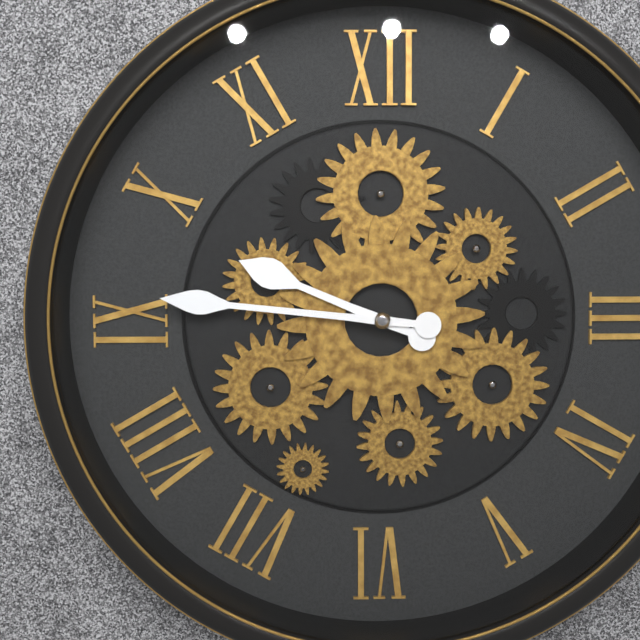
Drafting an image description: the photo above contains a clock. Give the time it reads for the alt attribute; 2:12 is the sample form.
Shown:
9:46
